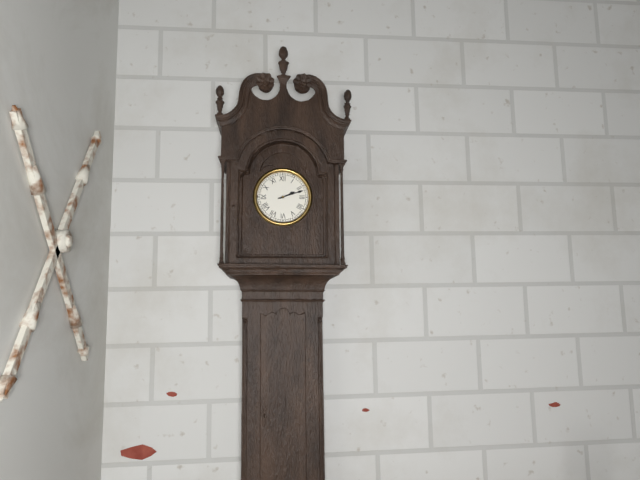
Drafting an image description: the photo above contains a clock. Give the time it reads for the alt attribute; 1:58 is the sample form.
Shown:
2:12
